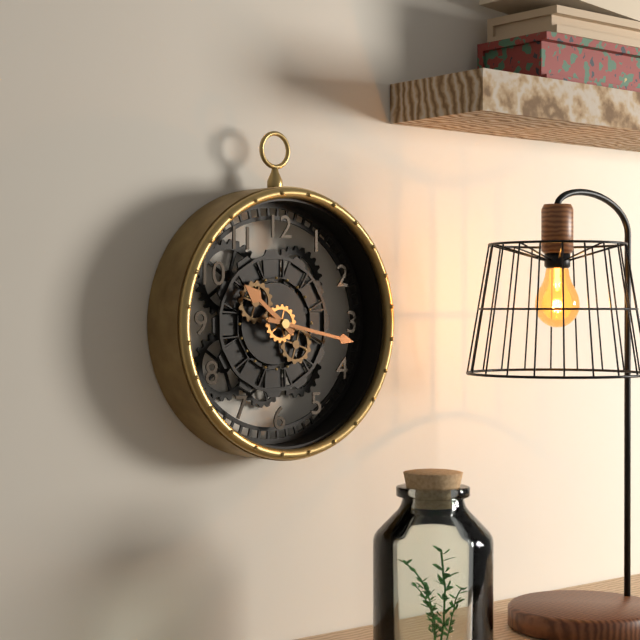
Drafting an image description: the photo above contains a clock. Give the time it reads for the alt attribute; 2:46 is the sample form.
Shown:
10:17
